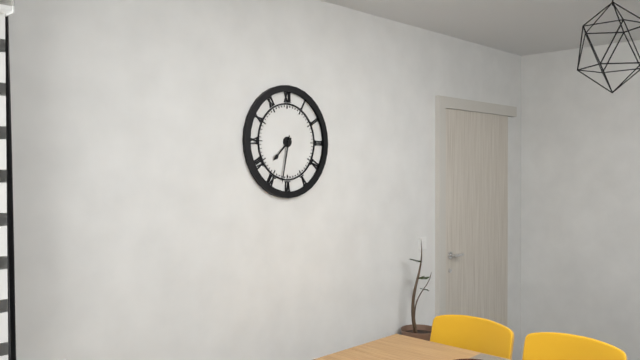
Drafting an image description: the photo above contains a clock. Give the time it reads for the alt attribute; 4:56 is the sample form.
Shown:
7:32
